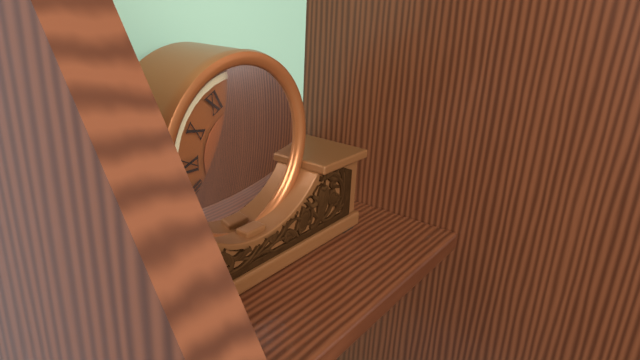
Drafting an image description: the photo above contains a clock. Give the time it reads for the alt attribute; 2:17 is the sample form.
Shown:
4:29
